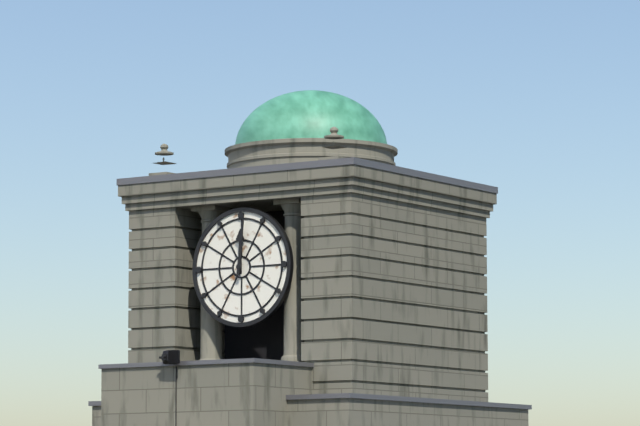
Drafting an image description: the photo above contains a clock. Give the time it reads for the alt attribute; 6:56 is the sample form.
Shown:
12:01
